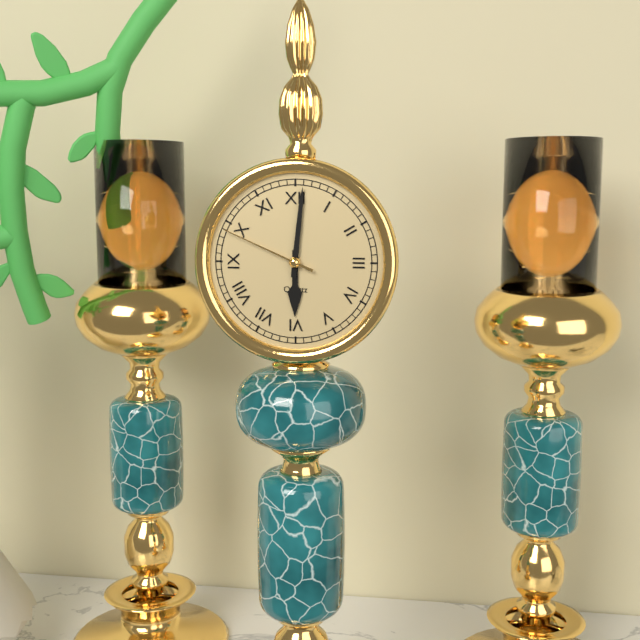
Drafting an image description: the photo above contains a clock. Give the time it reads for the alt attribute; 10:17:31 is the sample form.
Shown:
6:01:49
